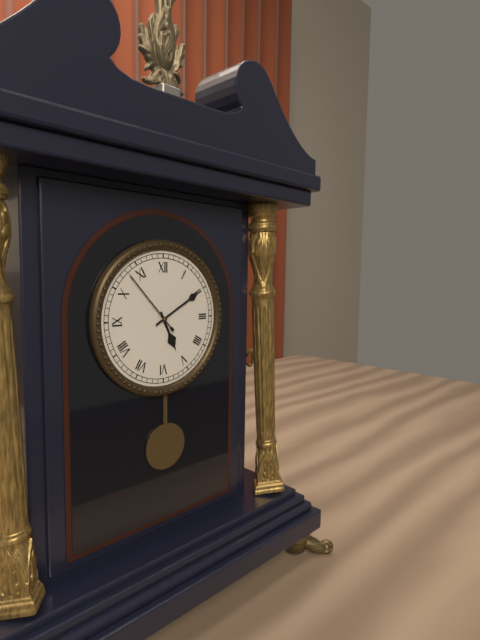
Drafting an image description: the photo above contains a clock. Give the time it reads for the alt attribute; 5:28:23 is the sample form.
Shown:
5:10:53
